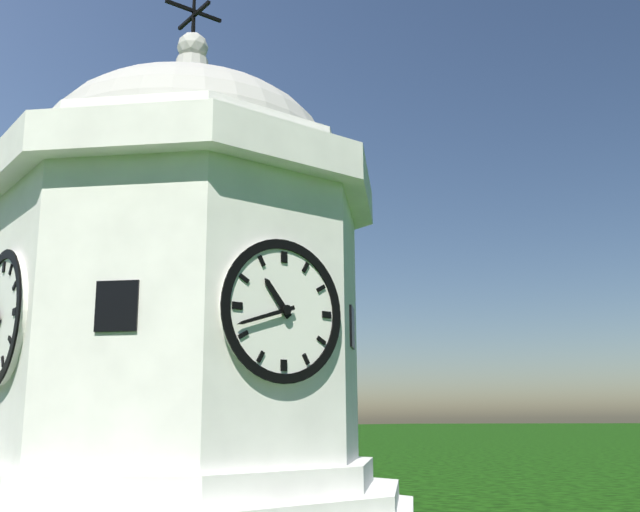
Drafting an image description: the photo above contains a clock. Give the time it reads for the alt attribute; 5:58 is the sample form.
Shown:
10:42
